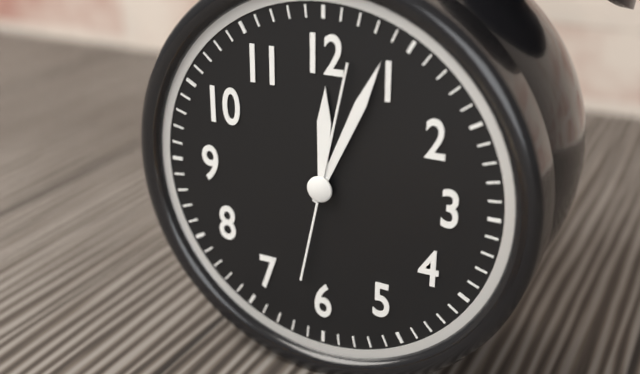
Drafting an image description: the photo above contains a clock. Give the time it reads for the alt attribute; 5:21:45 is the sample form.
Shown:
12:04:02
